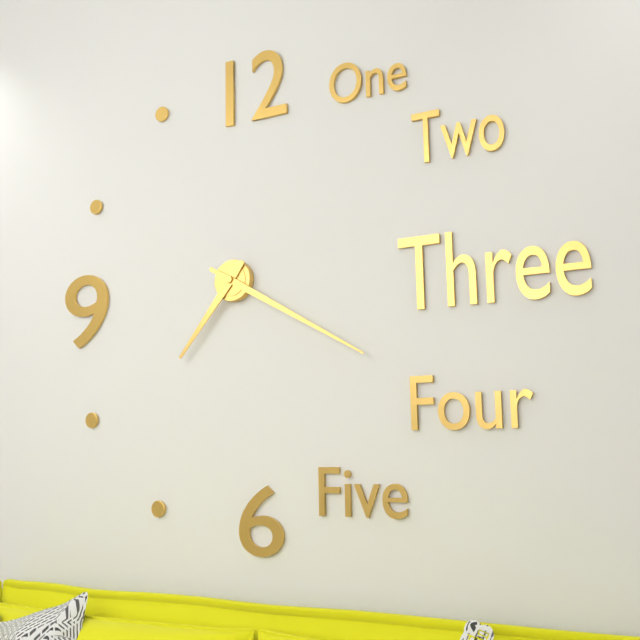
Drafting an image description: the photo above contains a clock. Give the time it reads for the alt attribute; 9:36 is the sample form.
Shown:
7:20
